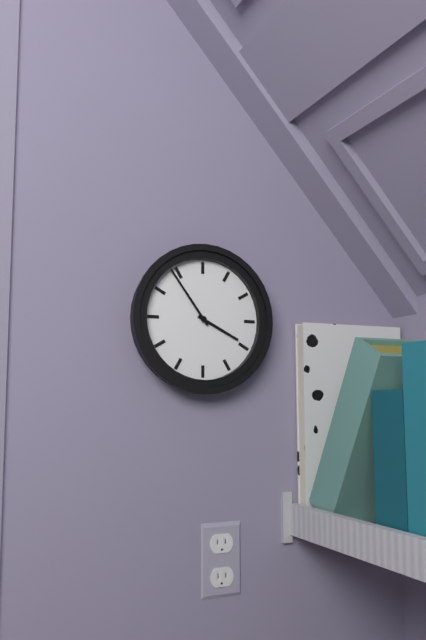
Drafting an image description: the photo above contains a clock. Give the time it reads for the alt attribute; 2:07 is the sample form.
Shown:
3:54
